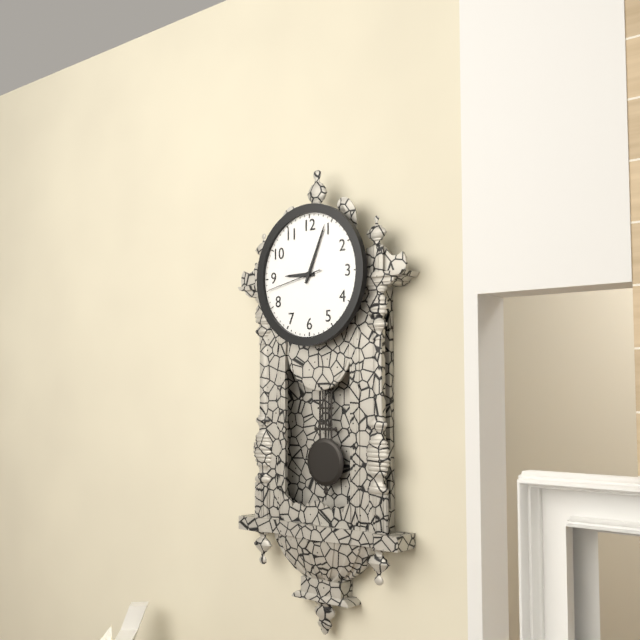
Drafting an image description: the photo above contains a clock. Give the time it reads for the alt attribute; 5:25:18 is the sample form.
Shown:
9:04:43
